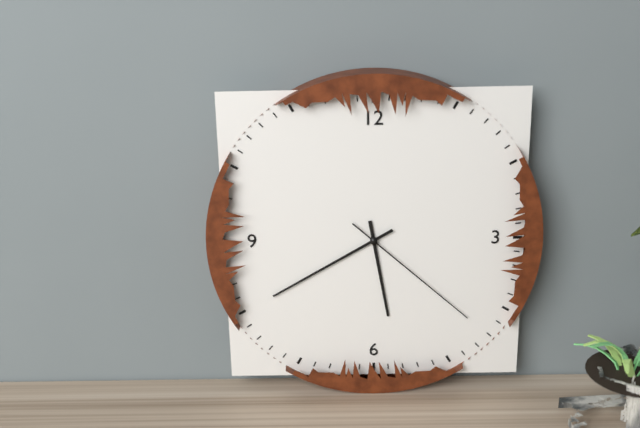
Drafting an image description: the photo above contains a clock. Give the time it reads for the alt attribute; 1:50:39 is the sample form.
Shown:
5:40:22
